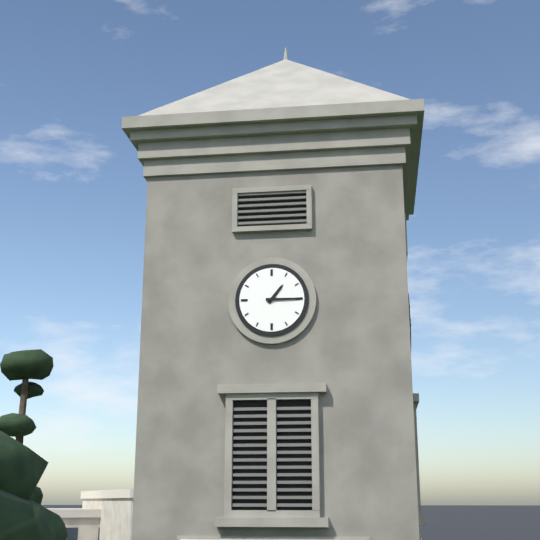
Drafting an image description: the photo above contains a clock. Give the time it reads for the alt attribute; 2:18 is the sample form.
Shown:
1:15
